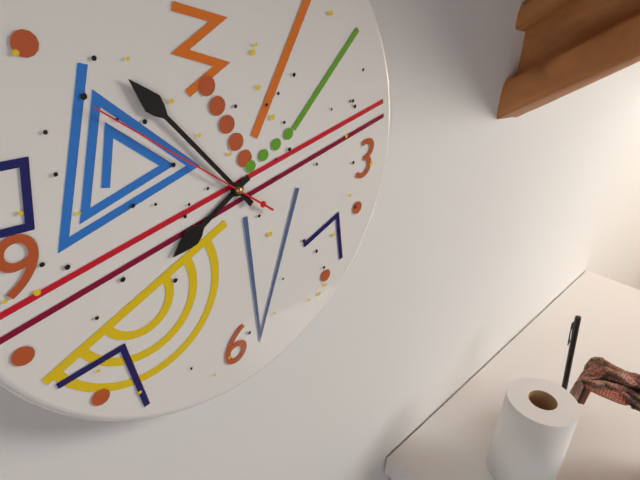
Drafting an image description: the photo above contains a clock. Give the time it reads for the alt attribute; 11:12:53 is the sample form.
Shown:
7:53:51
